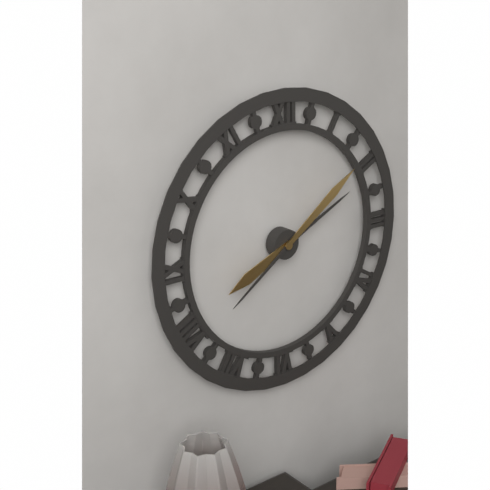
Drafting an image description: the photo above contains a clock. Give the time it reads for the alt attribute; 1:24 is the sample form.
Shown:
8:09
